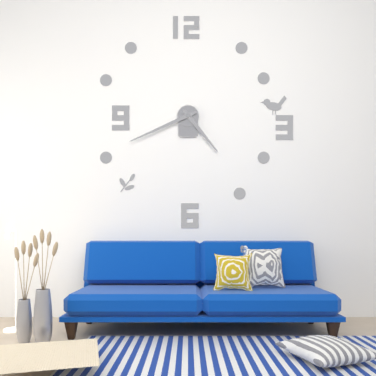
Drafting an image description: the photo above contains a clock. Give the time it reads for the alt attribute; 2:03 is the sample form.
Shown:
4:41
